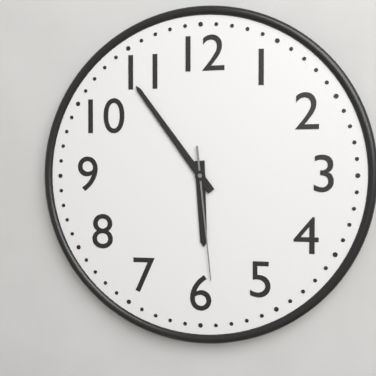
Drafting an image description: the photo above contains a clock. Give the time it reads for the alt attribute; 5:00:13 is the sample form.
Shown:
5:54:29
